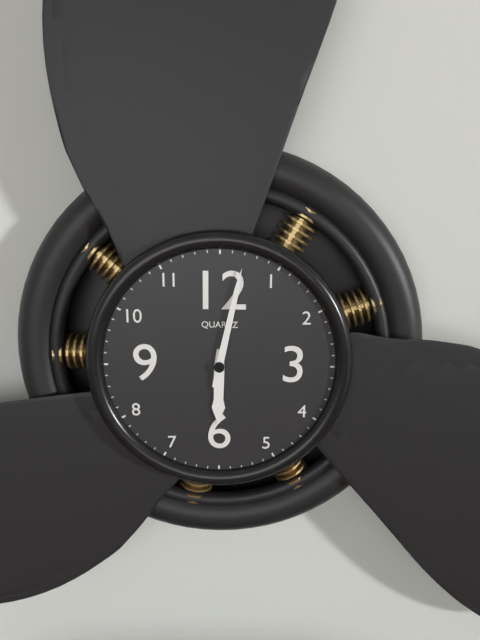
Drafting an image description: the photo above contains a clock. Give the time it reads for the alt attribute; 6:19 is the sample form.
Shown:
6:02
